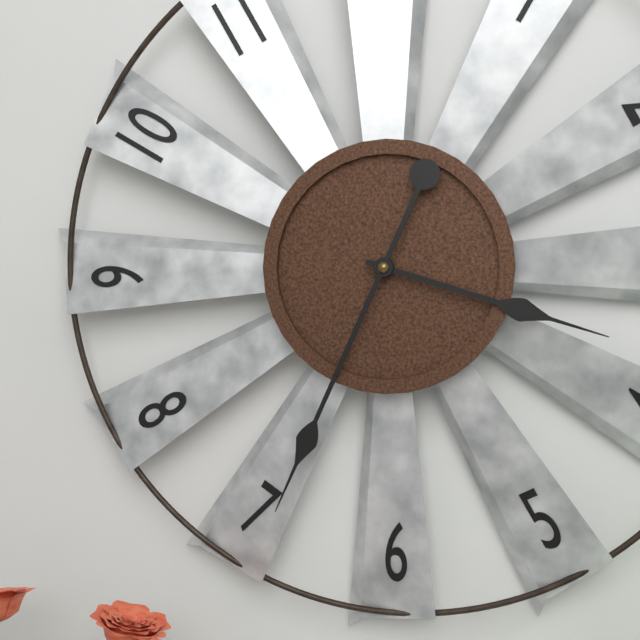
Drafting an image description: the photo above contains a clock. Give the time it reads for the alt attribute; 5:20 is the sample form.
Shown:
3:34
